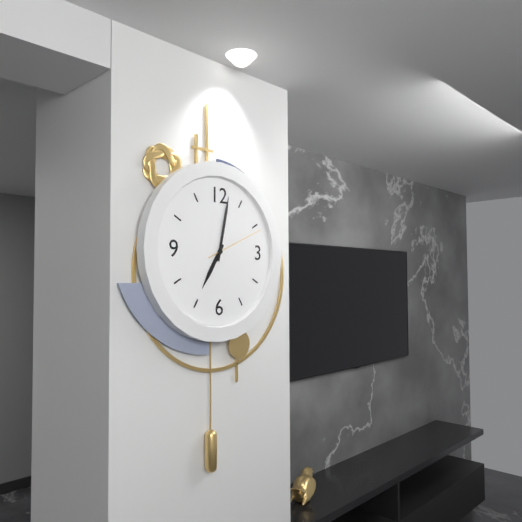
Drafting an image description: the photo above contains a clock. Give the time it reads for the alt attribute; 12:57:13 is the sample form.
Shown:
7:02:11
